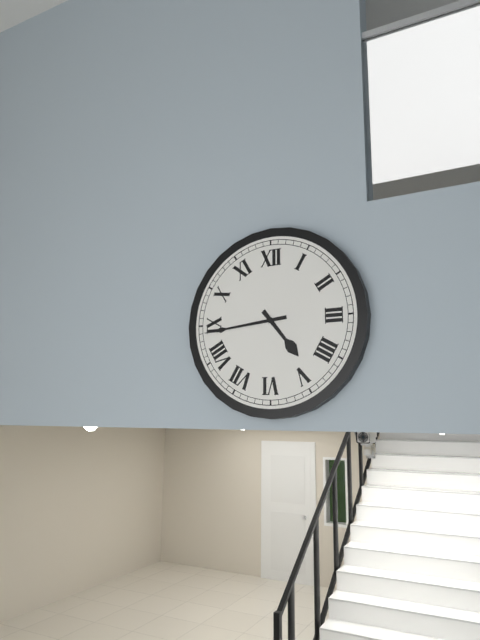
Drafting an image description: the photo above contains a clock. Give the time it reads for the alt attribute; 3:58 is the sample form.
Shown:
4:44
